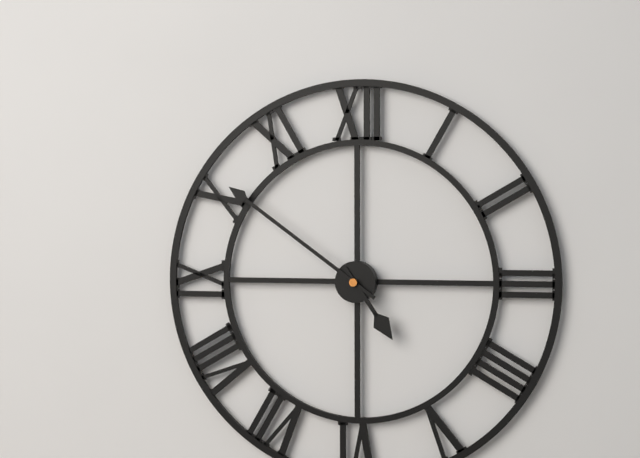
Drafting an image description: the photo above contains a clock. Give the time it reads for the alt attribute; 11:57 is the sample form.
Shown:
4:51
